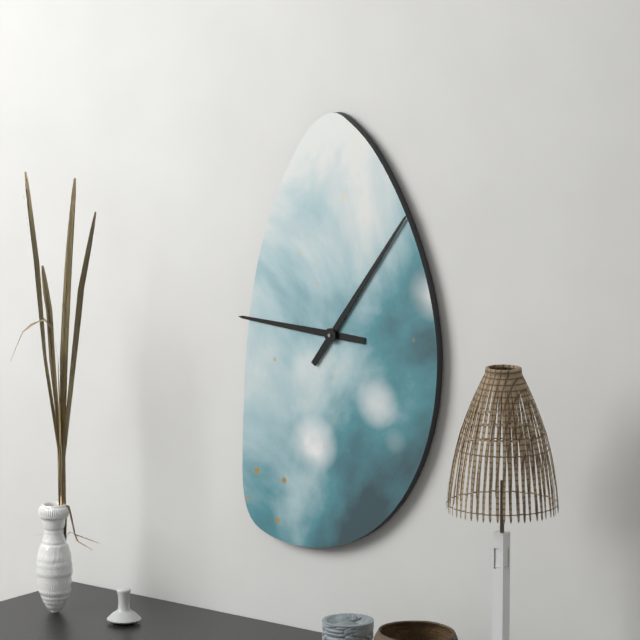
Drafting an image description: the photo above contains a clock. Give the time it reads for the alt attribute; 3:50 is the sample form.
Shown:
9:06
